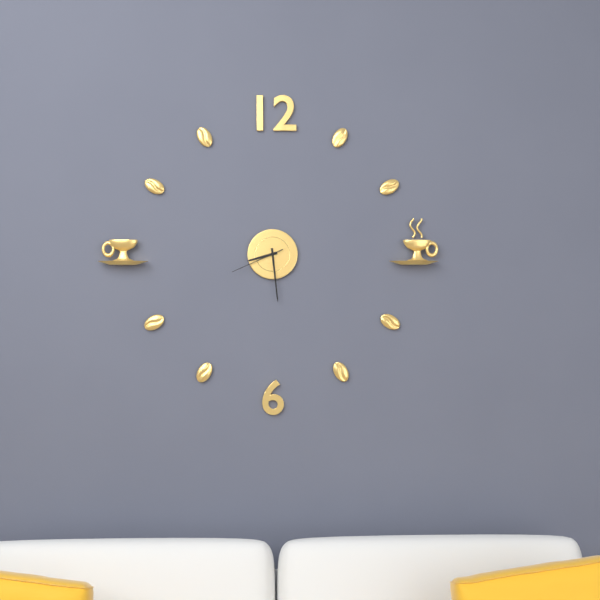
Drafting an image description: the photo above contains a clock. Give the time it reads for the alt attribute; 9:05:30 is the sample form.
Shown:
8:29:41
